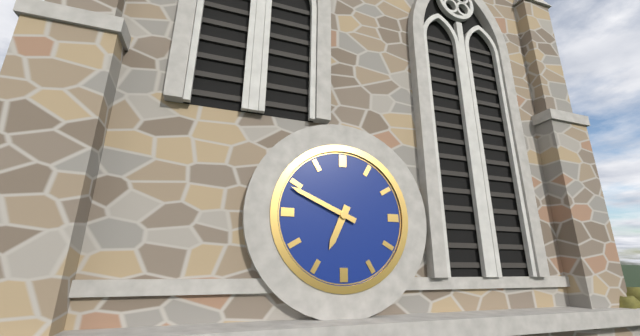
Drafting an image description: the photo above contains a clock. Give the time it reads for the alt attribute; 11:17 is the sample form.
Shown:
6:49
